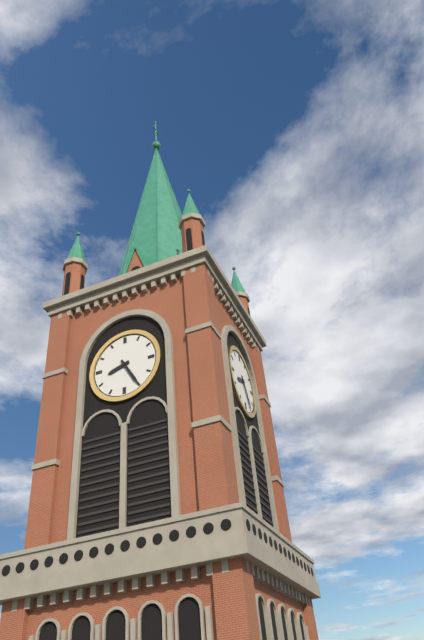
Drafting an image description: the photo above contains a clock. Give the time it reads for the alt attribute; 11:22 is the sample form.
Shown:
8:25
